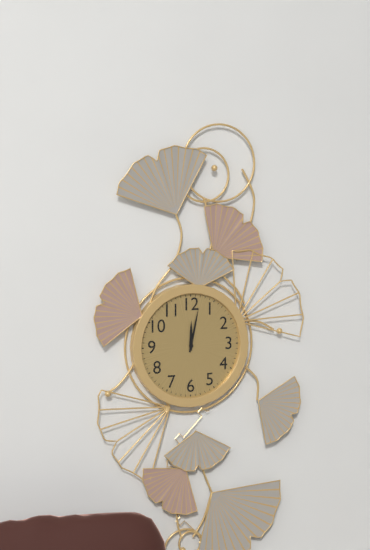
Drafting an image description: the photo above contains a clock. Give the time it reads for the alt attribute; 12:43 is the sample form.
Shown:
12:02
